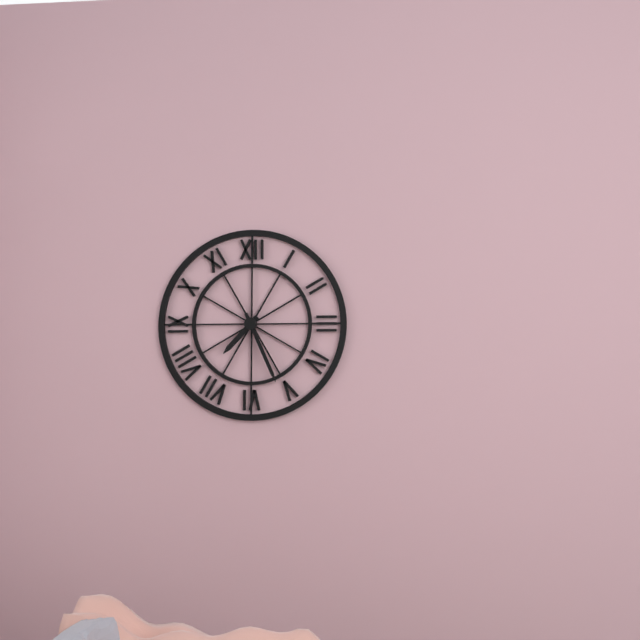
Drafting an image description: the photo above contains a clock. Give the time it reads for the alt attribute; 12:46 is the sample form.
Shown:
7:26
